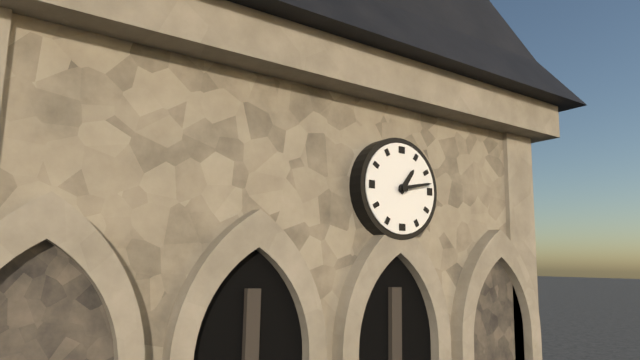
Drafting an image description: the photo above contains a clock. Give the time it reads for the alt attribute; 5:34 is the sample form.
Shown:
1:13
